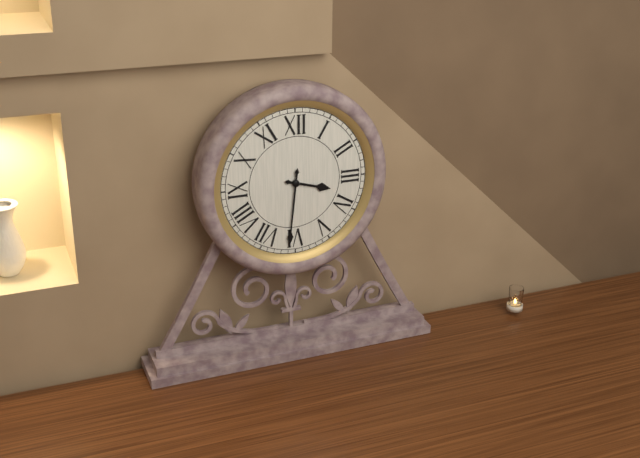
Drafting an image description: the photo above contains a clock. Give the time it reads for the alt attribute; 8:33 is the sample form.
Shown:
3:31
